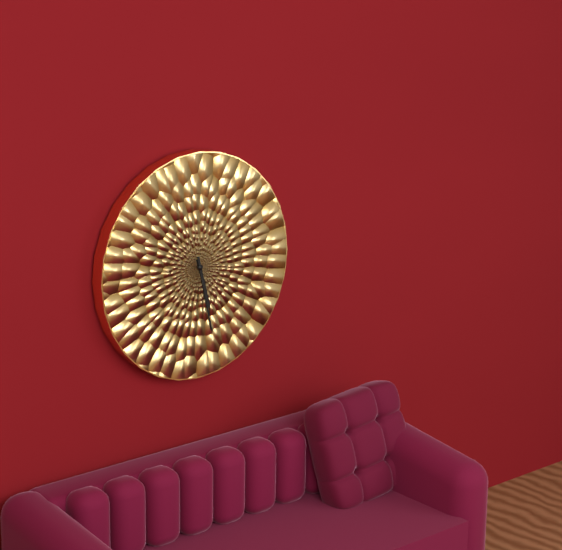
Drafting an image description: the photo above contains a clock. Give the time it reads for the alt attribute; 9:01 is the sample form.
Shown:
5:28
